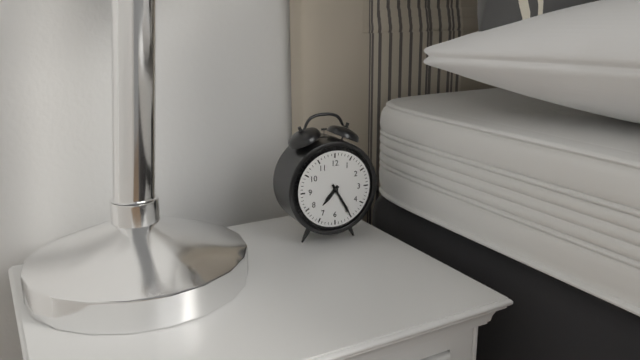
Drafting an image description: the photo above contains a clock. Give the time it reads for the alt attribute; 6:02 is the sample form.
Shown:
7:25
